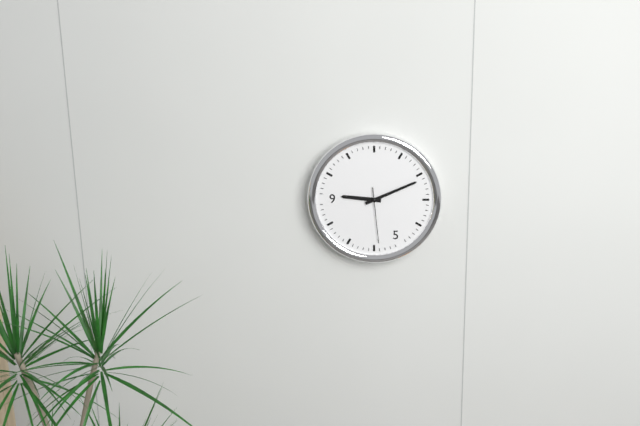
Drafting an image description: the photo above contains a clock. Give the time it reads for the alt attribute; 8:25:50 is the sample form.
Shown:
9:11:29
